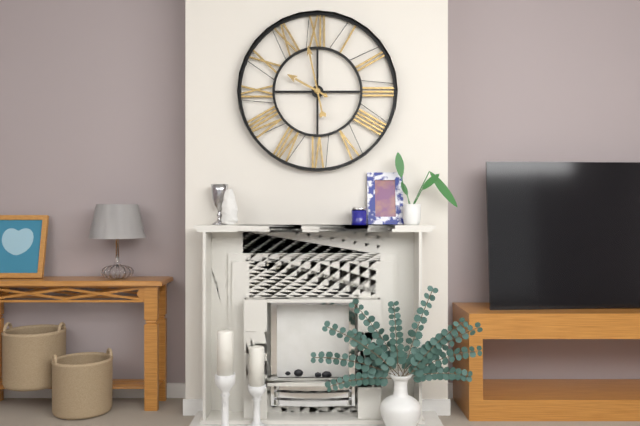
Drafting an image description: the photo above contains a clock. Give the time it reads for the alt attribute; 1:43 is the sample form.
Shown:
9:58
